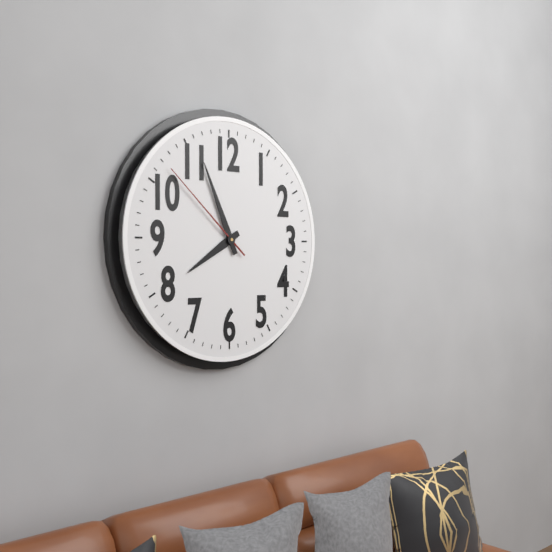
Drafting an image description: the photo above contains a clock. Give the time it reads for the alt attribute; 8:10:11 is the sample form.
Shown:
7:56:52
